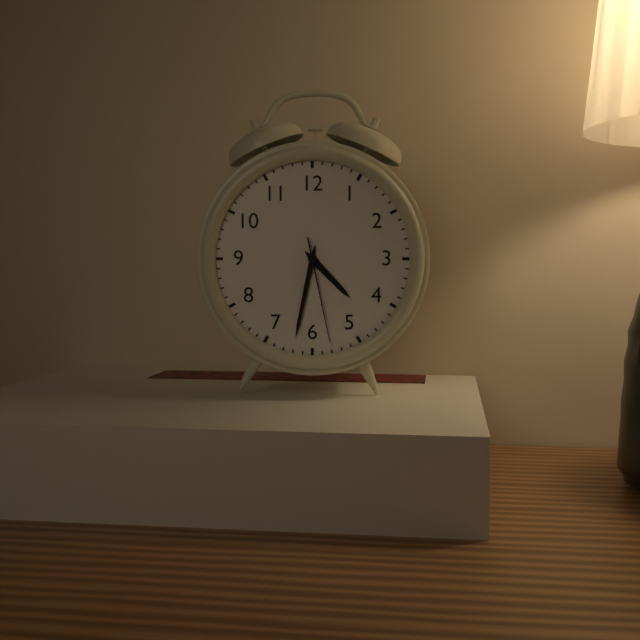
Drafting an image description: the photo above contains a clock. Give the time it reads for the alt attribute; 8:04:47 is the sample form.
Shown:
4:32:28
